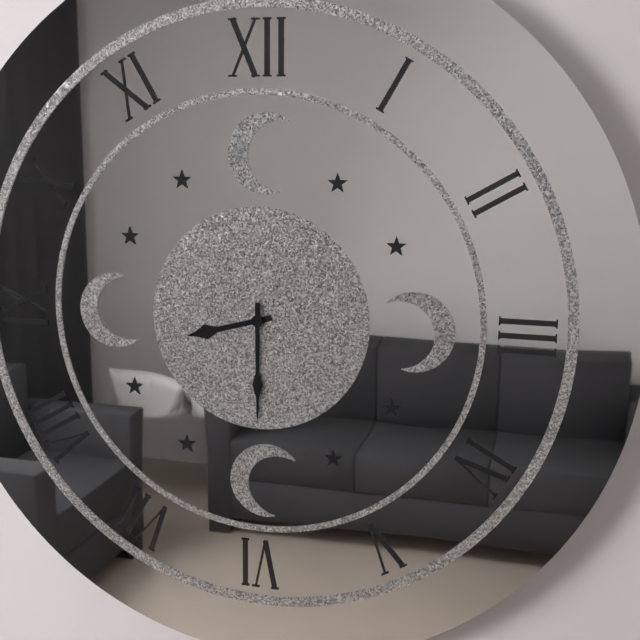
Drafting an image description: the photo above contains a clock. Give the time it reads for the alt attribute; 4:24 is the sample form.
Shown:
8:30
